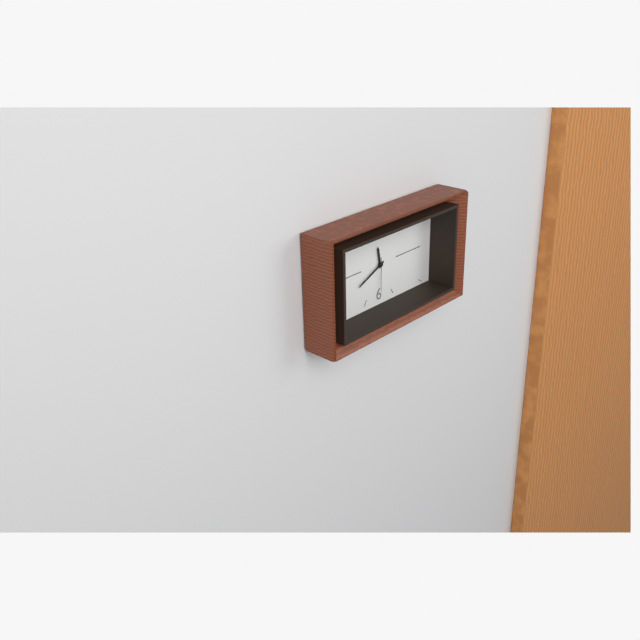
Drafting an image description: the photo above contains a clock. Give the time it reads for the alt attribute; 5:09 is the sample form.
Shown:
11:41
